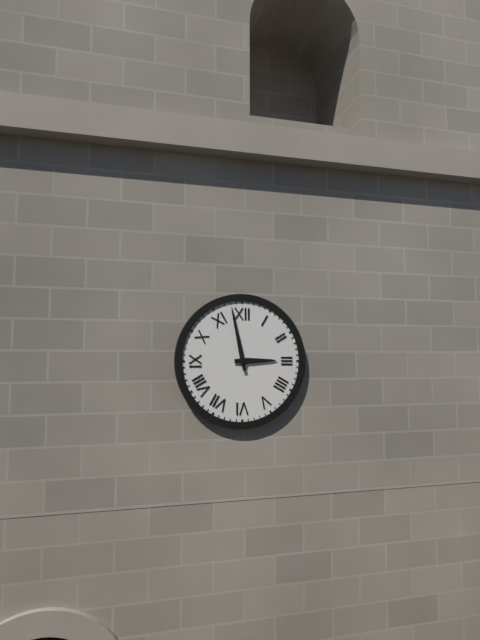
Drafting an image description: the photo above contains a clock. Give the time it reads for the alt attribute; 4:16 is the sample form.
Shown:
2:58
